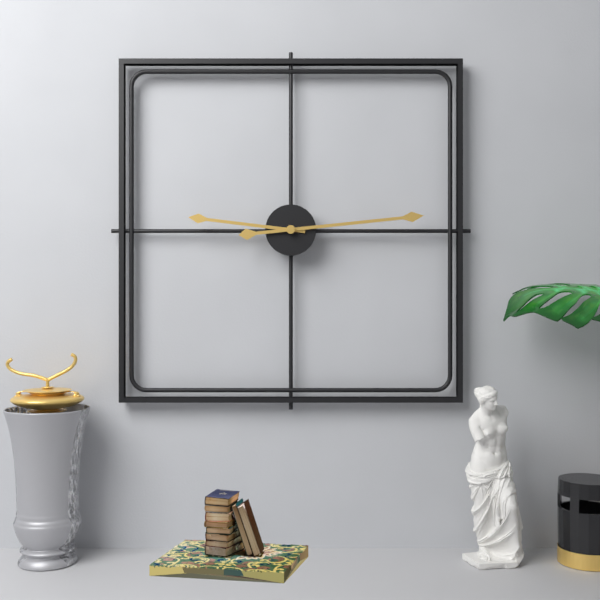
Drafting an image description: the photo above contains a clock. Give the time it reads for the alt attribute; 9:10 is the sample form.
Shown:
9:14
